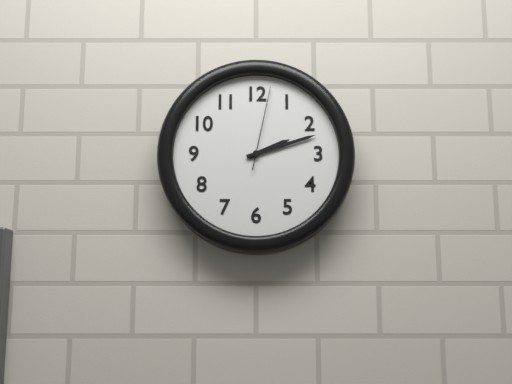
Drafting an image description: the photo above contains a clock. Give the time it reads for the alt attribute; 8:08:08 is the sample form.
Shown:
2:12:02
